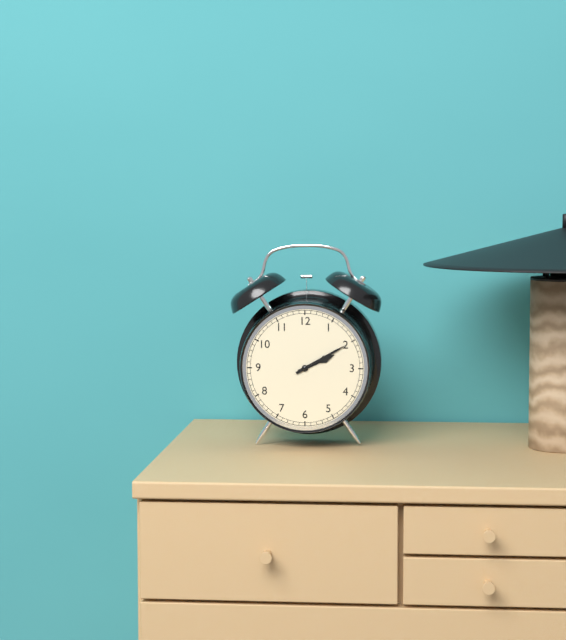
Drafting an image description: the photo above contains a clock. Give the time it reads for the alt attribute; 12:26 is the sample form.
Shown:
2:10
